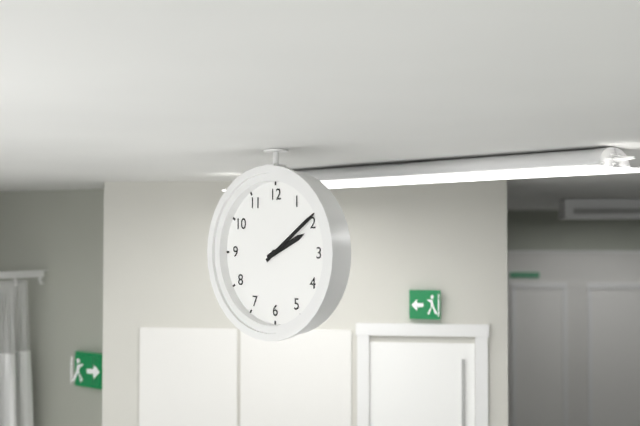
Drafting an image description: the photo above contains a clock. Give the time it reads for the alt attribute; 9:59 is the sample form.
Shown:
2:09
